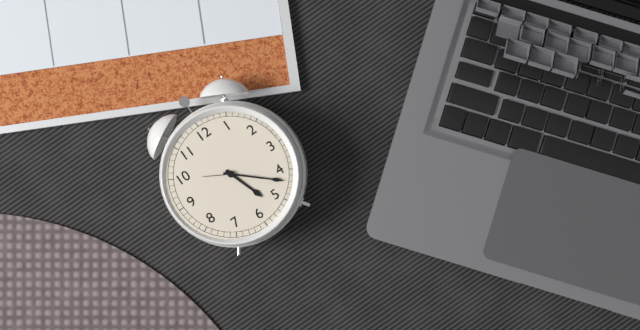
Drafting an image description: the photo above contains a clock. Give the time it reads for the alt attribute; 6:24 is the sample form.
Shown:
5:22
